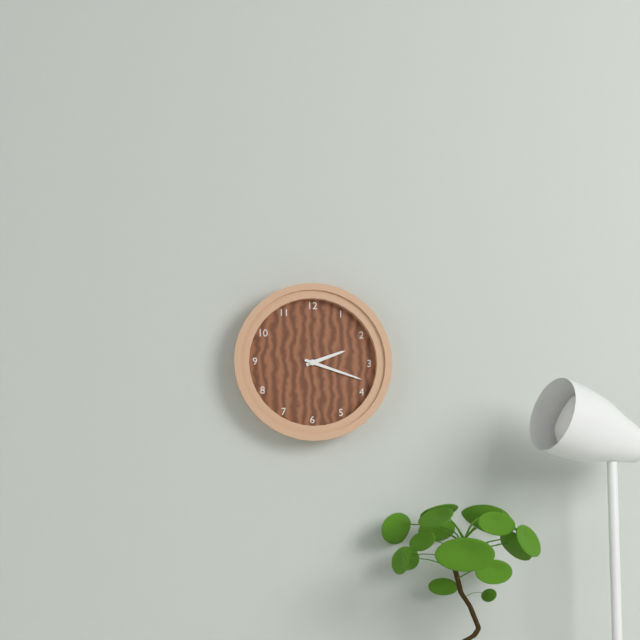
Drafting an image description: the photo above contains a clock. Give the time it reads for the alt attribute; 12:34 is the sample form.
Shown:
2:18
